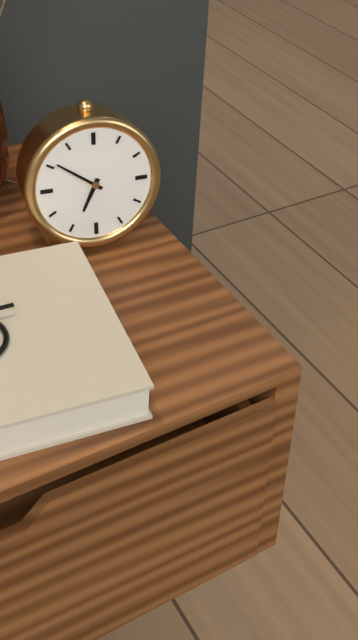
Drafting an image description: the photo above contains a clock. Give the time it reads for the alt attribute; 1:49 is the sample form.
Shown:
6:51
